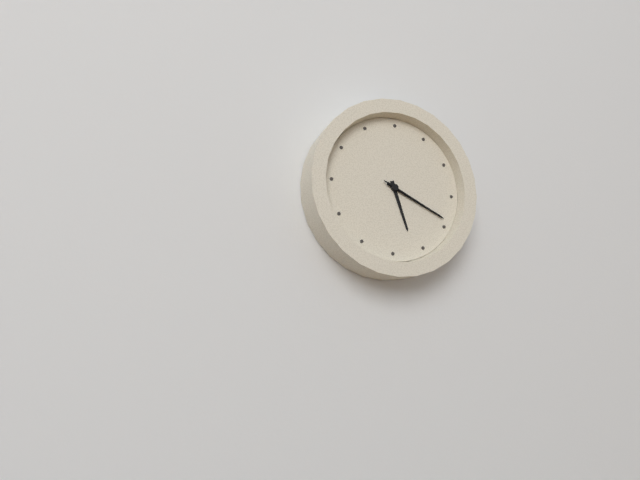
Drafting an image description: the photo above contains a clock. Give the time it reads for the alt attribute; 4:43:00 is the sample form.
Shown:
5:19:19
